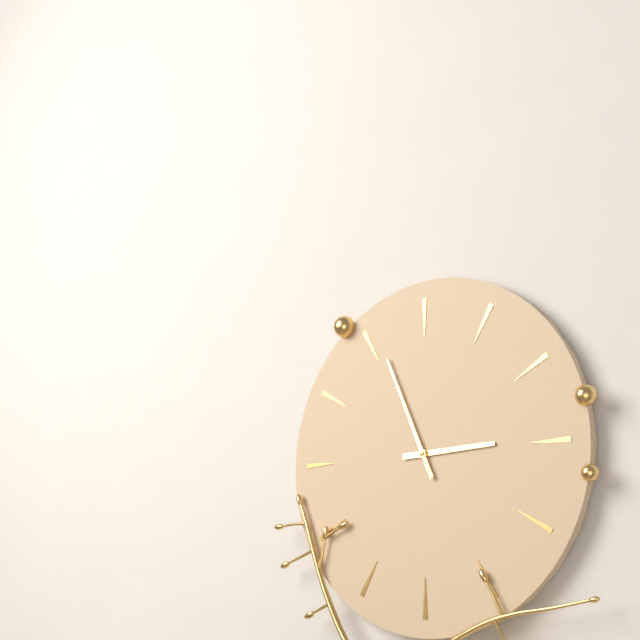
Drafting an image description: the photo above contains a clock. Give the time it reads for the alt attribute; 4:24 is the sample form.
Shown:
2:56
